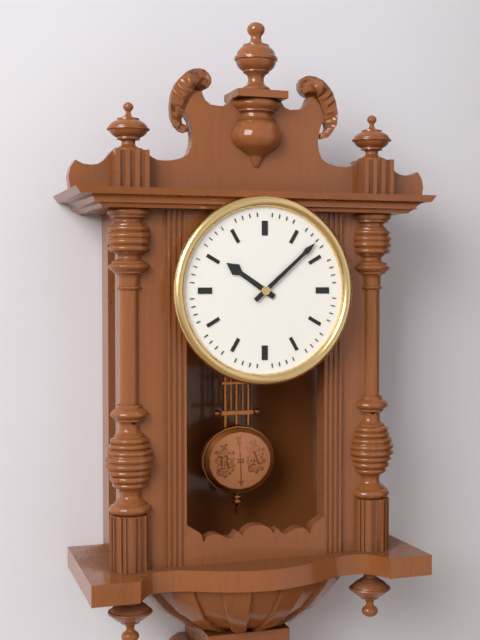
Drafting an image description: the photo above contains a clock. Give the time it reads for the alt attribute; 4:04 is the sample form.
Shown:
10:08
